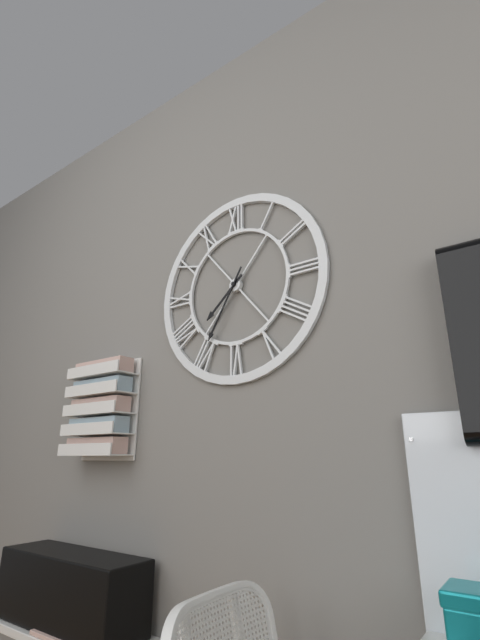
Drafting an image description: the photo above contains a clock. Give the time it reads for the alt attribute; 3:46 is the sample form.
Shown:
7:35
